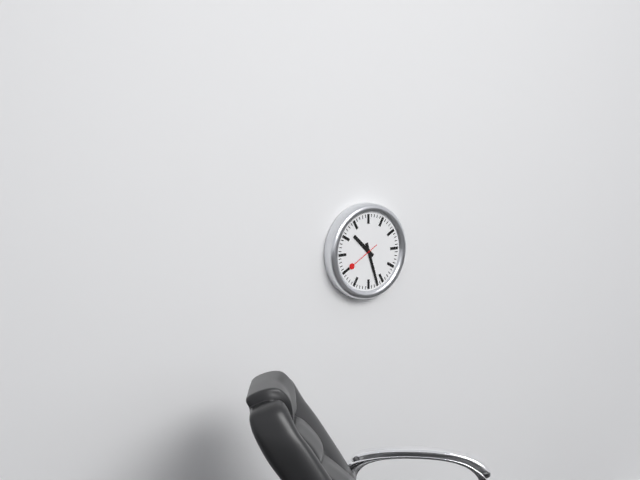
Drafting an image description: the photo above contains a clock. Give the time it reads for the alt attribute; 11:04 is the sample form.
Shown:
10:27
